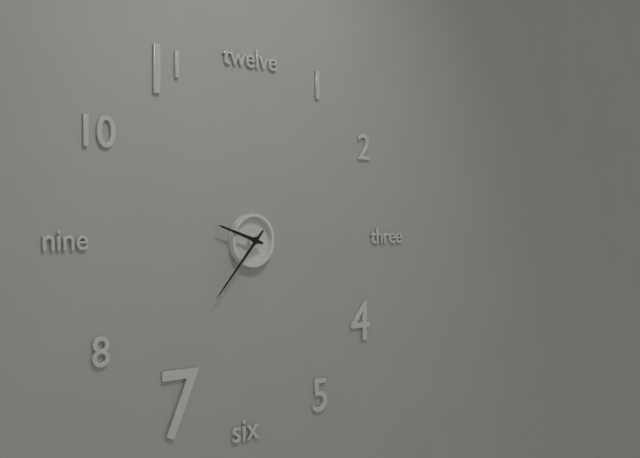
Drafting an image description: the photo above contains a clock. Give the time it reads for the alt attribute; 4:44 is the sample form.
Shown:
9:37
